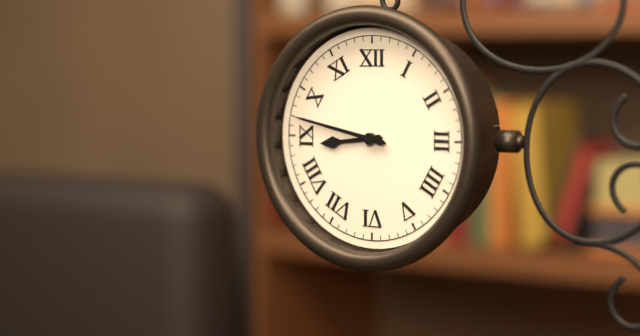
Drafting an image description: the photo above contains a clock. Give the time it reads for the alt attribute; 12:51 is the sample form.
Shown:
8:47
